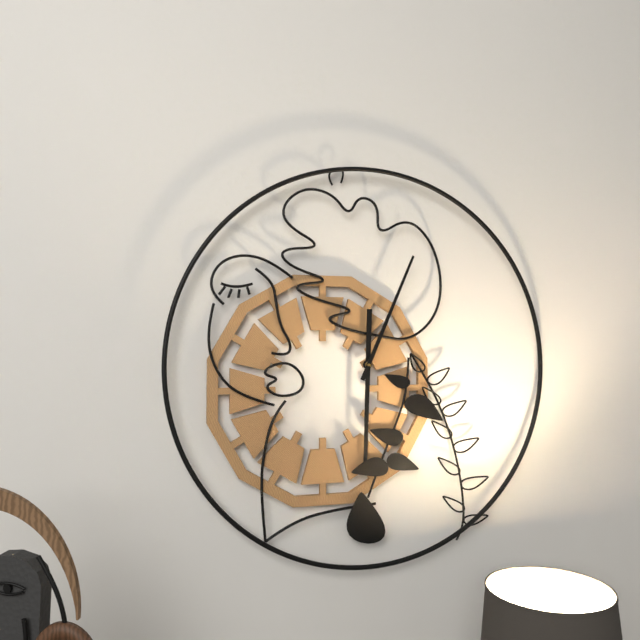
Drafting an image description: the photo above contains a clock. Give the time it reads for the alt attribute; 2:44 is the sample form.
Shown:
6:04
